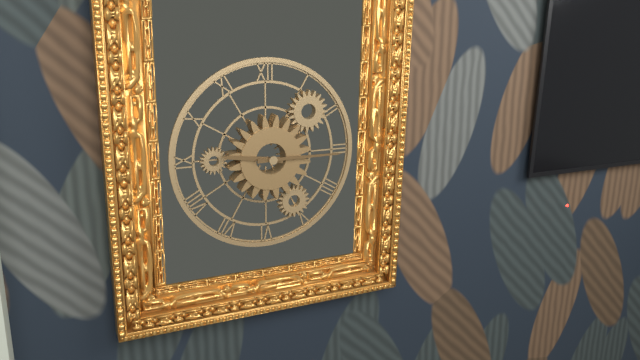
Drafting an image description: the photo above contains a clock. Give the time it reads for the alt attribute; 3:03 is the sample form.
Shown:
9:15
